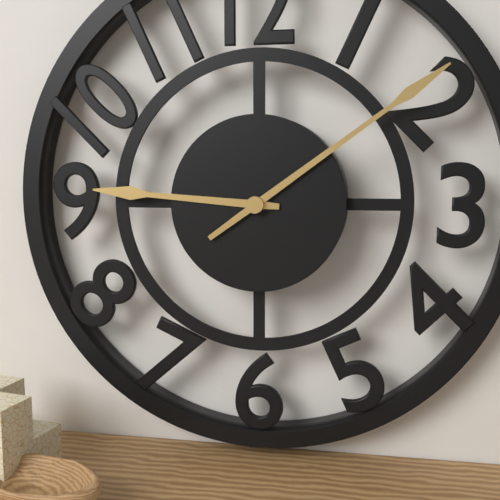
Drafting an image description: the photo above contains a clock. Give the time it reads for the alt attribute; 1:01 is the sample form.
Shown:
9:09
